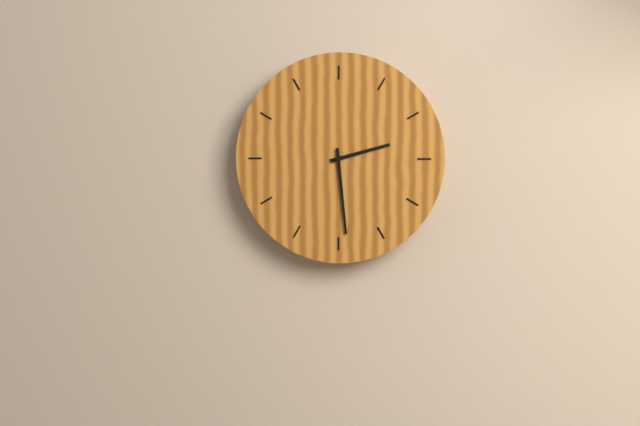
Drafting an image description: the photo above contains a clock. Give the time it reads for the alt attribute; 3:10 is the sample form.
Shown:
2:29
